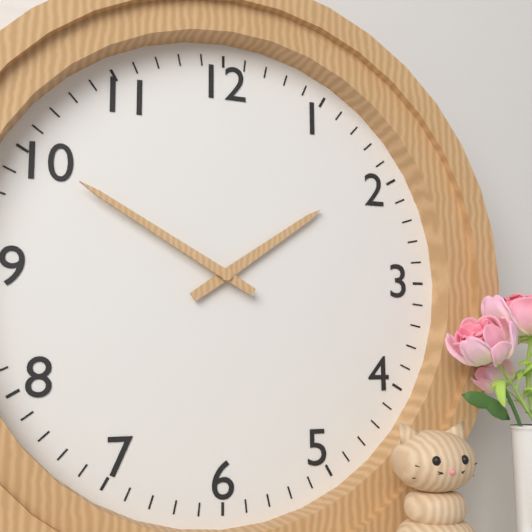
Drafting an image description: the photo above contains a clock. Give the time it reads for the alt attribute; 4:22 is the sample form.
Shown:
1:50
